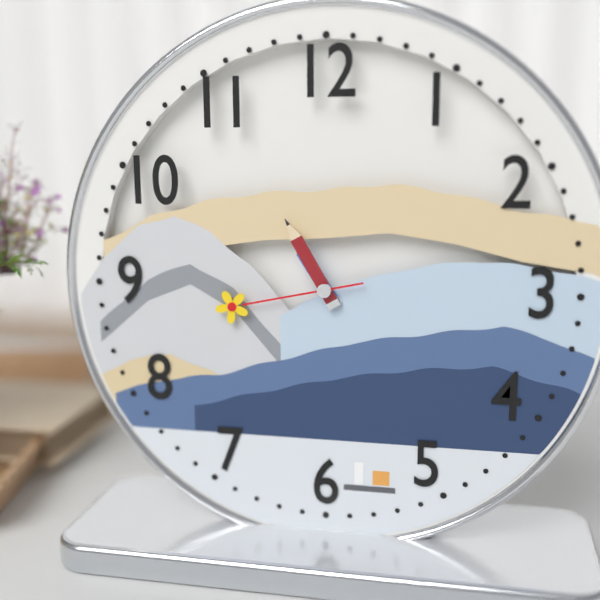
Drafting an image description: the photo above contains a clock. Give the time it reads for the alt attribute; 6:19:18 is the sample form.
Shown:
10:55:43
